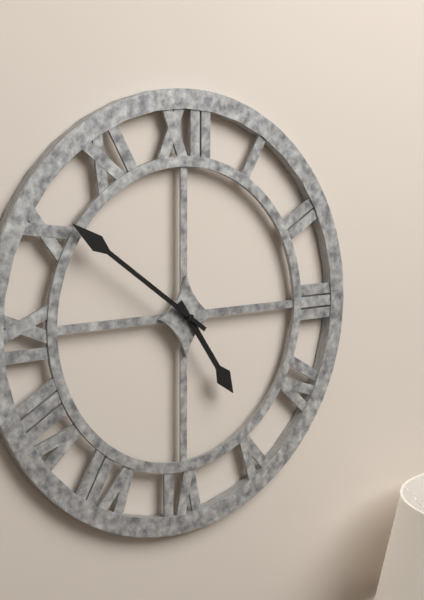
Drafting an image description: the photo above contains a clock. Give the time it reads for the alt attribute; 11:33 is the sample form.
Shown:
4:51
